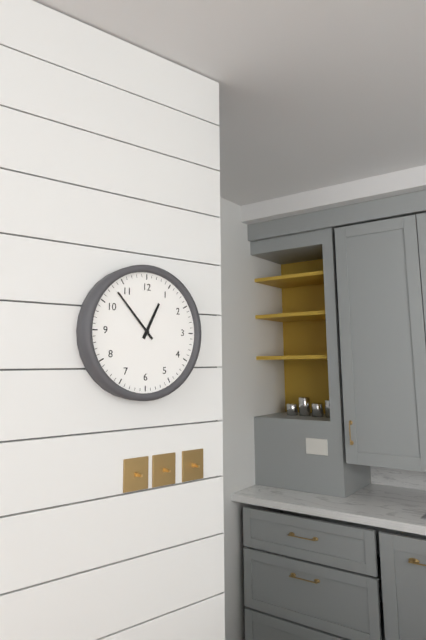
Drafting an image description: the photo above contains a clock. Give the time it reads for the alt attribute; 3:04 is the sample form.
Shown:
12:53
